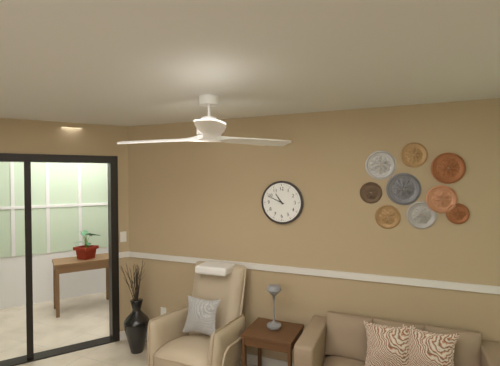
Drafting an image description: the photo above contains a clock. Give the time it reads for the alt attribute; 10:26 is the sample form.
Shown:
10:49
